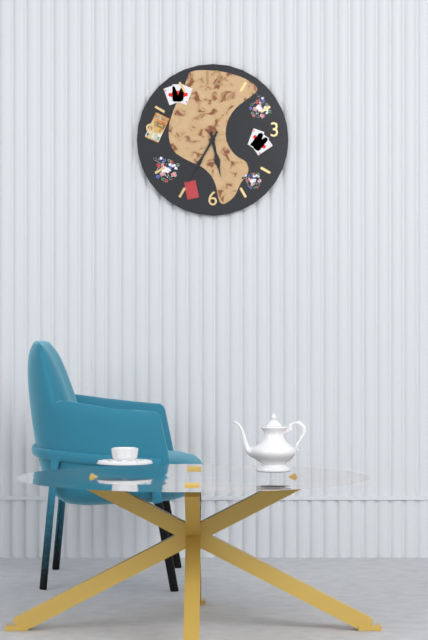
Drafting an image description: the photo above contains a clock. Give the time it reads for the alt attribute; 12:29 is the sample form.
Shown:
5:35
